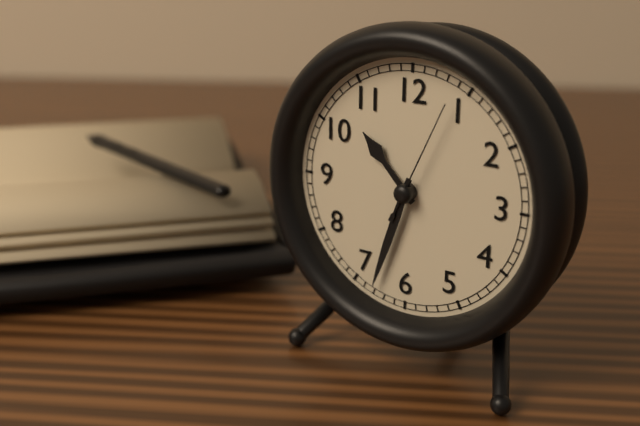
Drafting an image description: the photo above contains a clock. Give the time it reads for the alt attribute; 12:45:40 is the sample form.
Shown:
10:33:04
